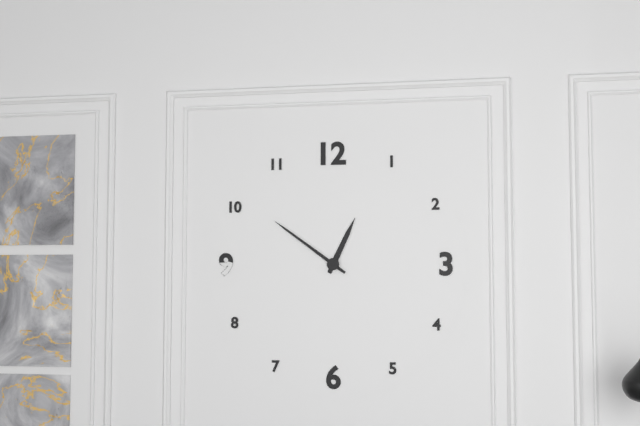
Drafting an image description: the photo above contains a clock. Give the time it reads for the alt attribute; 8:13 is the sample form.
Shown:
12:51
